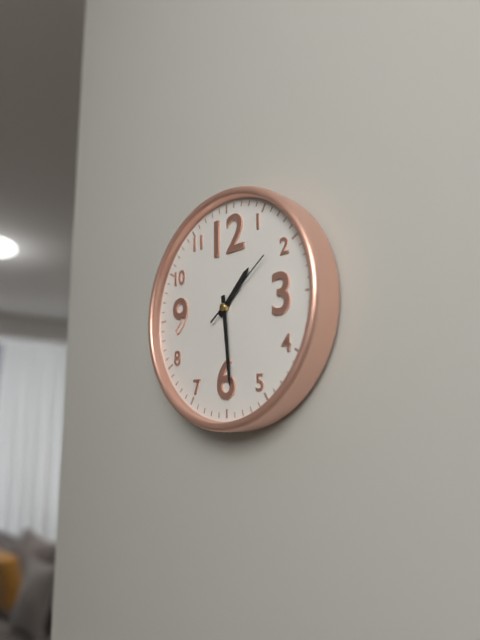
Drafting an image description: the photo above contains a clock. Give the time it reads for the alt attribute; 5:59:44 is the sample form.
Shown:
1:29:09
